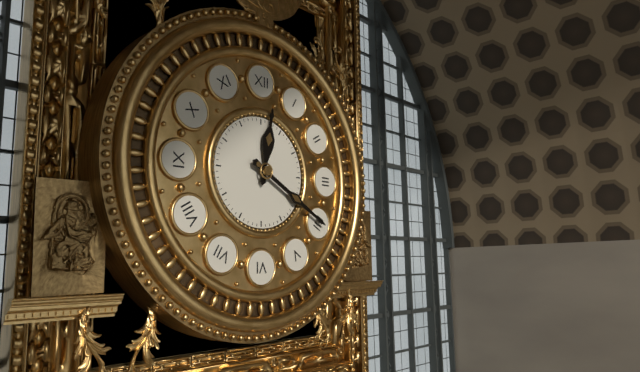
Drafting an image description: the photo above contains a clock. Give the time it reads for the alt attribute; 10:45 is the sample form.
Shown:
12:20
